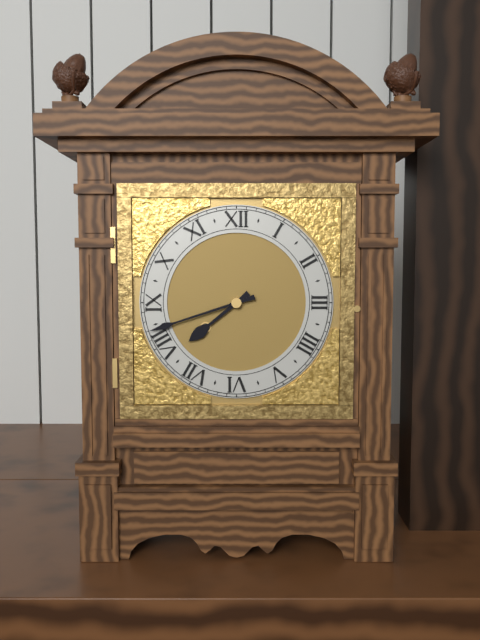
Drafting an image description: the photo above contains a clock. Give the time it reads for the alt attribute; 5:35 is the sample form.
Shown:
7:42
